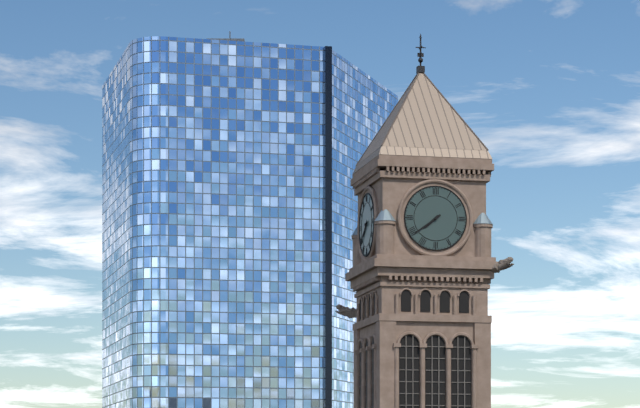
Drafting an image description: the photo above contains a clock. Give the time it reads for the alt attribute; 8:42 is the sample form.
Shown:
7:39
